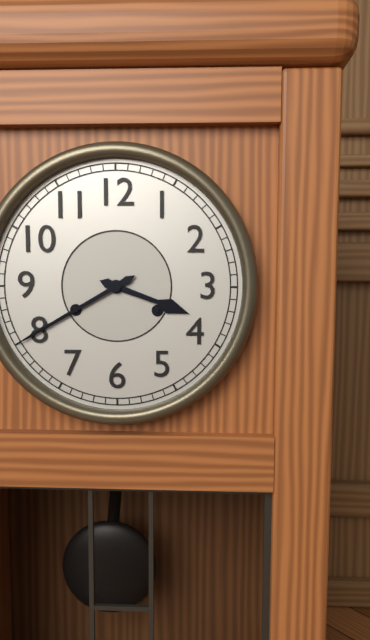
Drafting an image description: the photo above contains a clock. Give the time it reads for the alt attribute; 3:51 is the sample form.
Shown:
3:40
